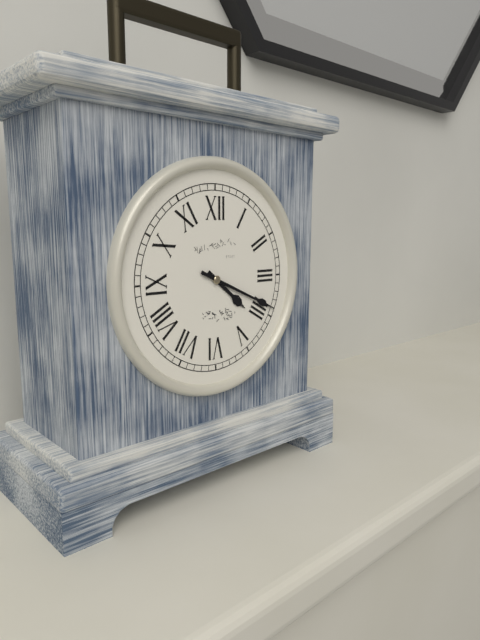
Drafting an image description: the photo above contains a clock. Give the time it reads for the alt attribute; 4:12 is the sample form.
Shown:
4:19
